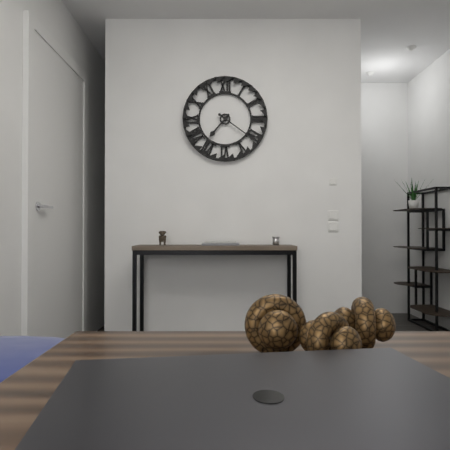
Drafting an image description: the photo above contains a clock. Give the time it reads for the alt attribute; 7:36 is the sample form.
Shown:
7:21
